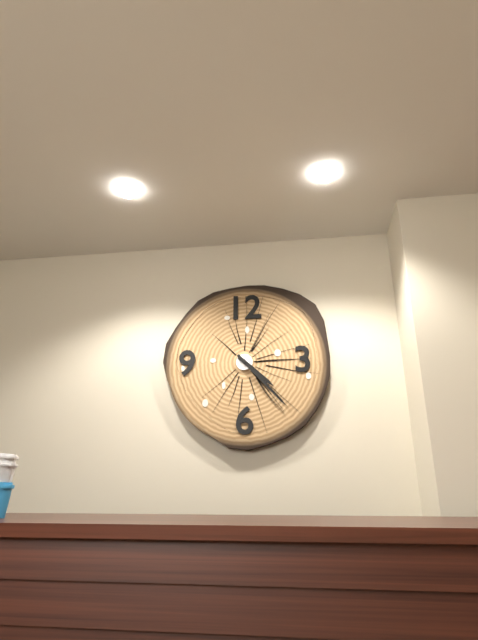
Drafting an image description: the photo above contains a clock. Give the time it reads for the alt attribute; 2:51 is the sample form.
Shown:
4:23
